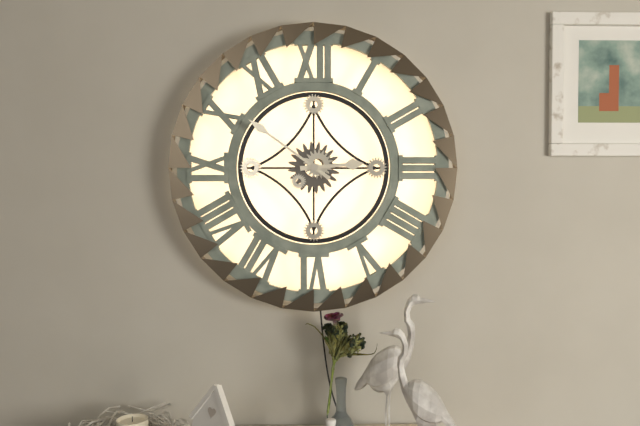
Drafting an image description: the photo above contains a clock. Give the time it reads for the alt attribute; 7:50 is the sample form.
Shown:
2:51
